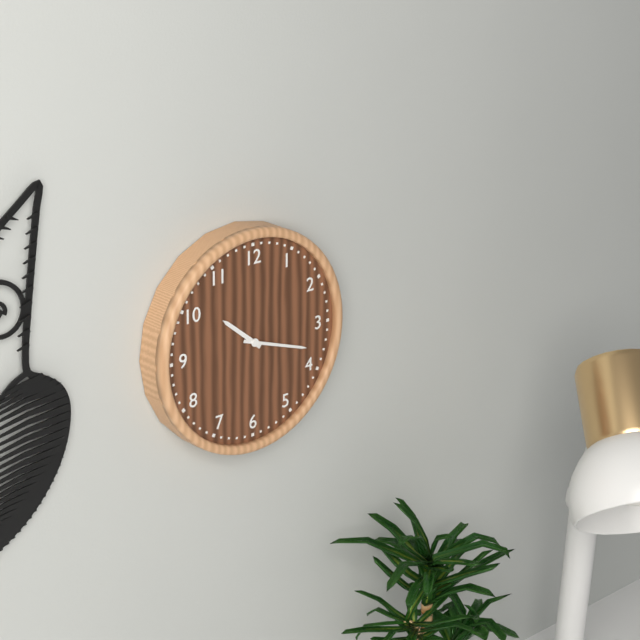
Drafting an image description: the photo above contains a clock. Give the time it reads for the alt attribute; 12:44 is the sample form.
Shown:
10:18
